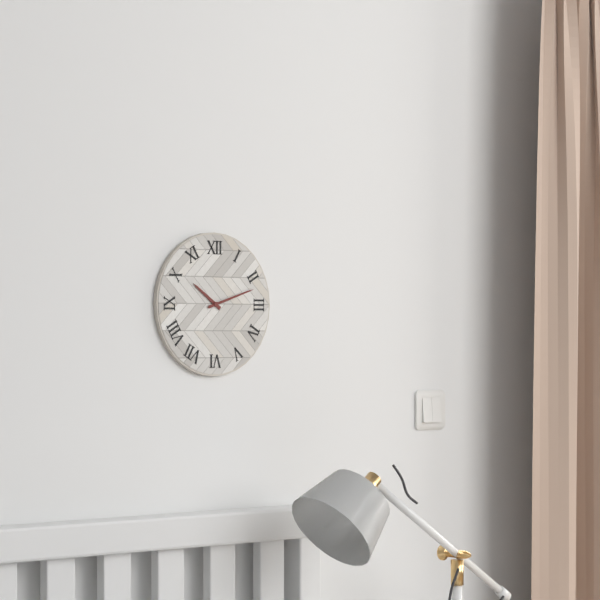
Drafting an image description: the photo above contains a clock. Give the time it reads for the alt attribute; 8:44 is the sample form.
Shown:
10:12
